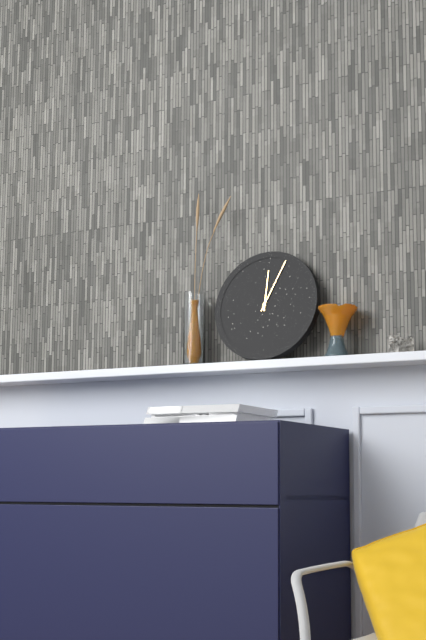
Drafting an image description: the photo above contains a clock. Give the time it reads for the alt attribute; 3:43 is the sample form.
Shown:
12:04
